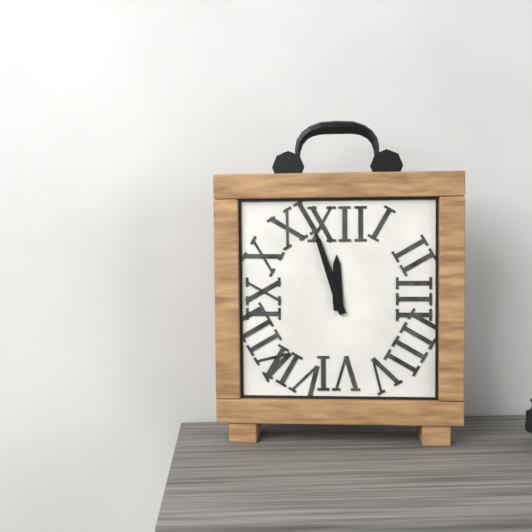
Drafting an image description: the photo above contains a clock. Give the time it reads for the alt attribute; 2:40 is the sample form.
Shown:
11:57
